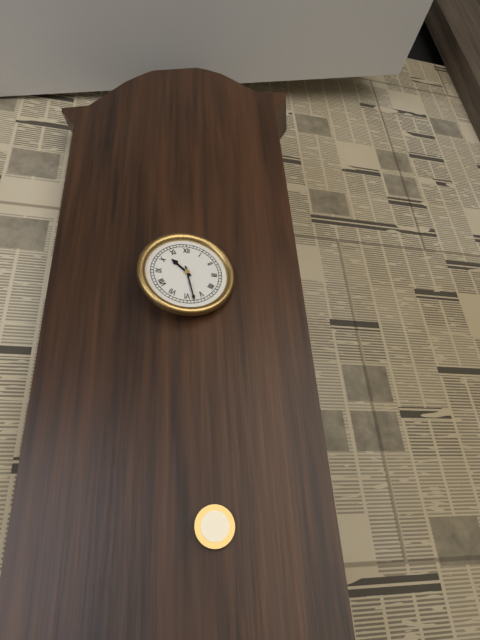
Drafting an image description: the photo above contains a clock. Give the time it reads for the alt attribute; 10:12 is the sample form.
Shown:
10:28
